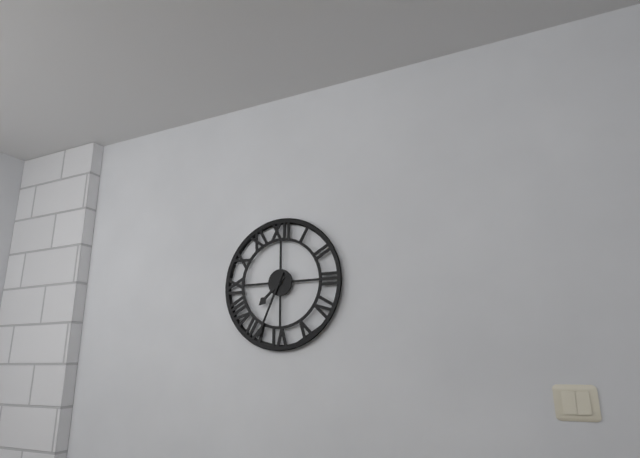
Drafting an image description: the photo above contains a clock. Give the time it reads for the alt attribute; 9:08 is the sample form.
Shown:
7:34
